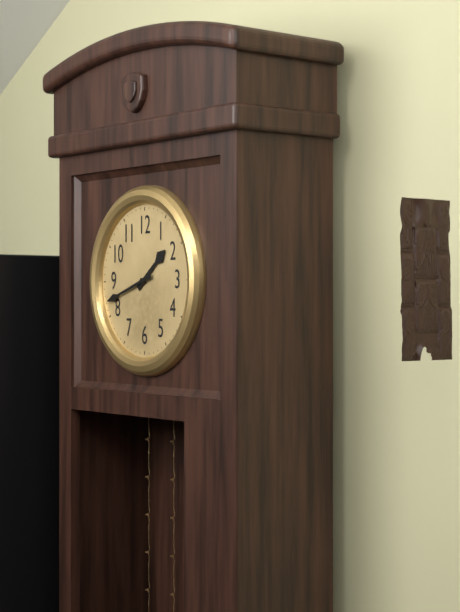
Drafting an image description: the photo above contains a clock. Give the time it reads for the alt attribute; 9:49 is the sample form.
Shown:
1:42
